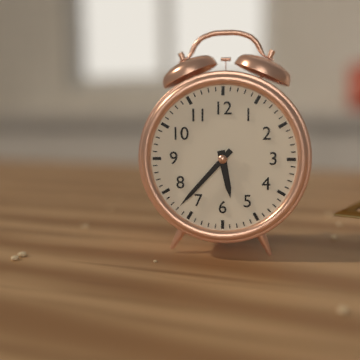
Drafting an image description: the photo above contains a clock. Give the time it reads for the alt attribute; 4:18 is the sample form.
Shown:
5:37
